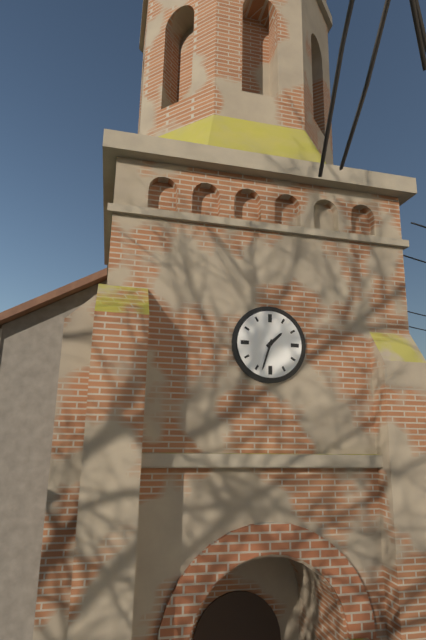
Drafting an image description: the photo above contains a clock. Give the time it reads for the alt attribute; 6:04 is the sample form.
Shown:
1:33
